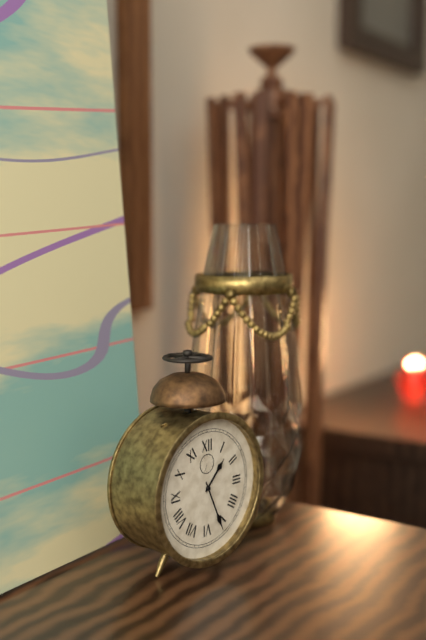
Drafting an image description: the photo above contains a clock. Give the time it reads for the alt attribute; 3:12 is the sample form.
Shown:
1:26
